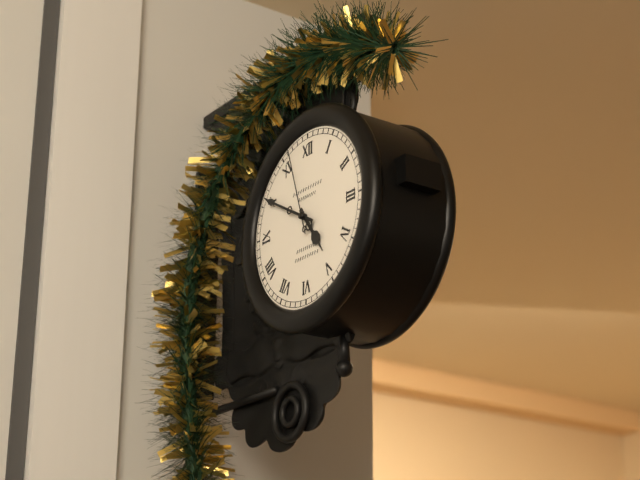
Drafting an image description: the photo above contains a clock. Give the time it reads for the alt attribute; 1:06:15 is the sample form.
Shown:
4:50:57
